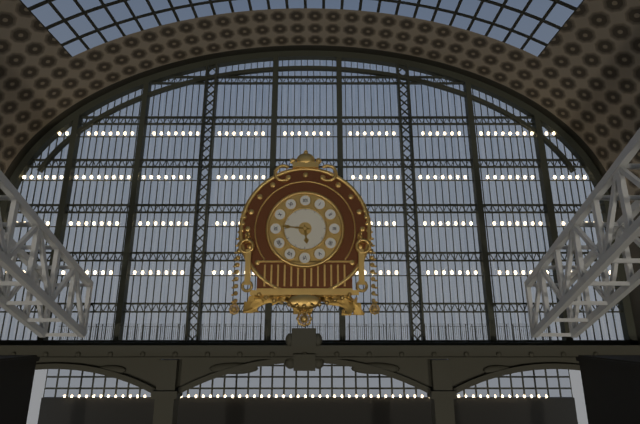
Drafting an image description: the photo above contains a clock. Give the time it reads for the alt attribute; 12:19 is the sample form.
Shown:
5:46
